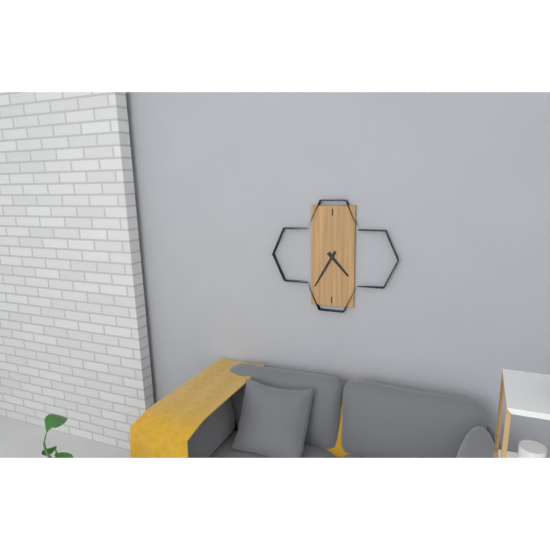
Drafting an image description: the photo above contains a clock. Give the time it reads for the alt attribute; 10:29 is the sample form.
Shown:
4:35
